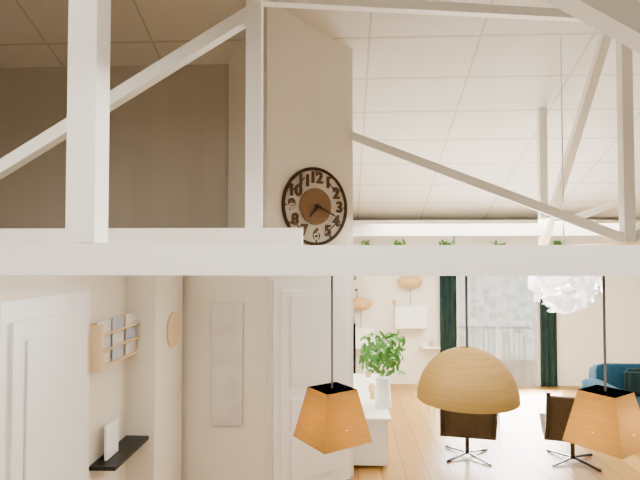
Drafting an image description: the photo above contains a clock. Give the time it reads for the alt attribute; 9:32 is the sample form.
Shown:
7:19
